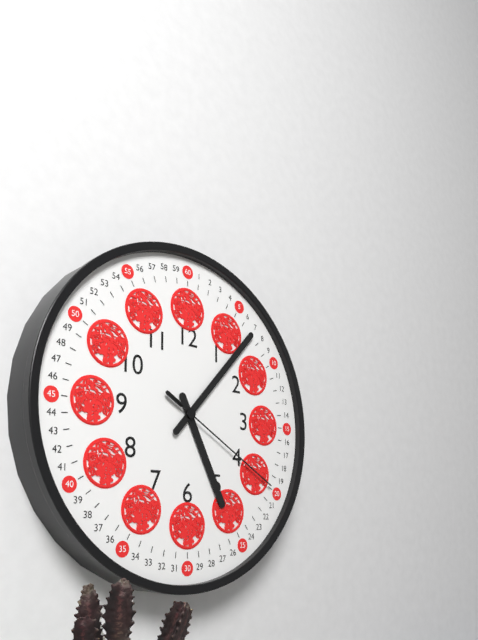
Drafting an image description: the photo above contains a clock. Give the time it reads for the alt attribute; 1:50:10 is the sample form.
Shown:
5:07:20
